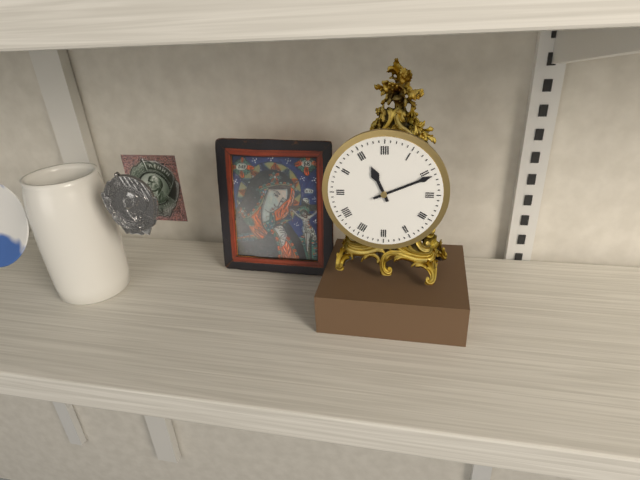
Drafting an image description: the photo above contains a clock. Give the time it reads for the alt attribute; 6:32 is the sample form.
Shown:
11:11
